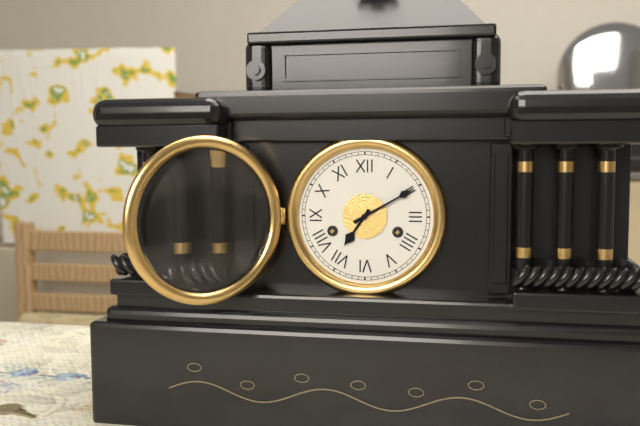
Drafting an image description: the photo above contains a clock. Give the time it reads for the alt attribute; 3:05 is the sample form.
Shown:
7:10
